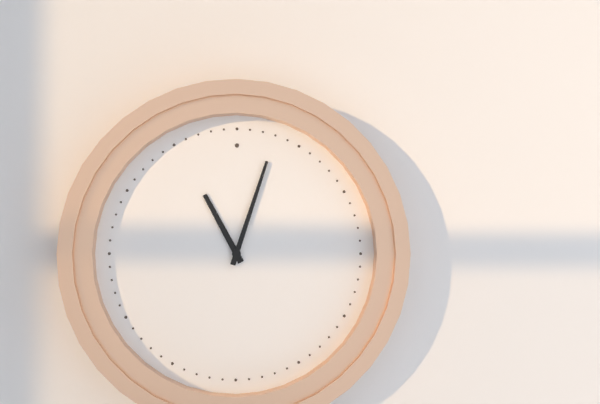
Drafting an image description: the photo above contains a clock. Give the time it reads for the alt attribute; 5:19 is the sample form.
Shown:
11:03
